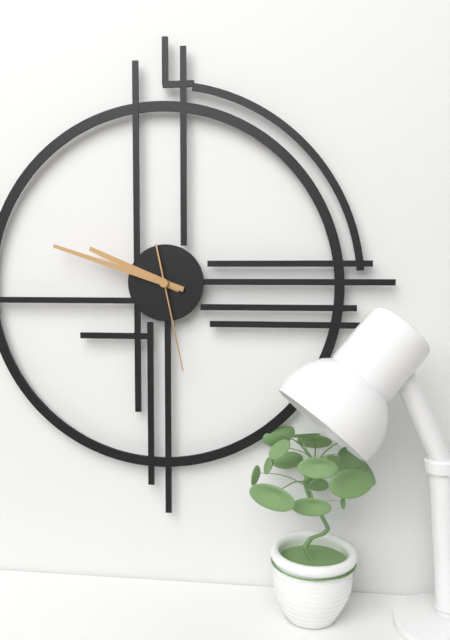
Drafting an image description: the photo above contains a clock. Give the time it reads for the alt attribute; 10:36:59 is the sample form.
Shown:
9:48:28
